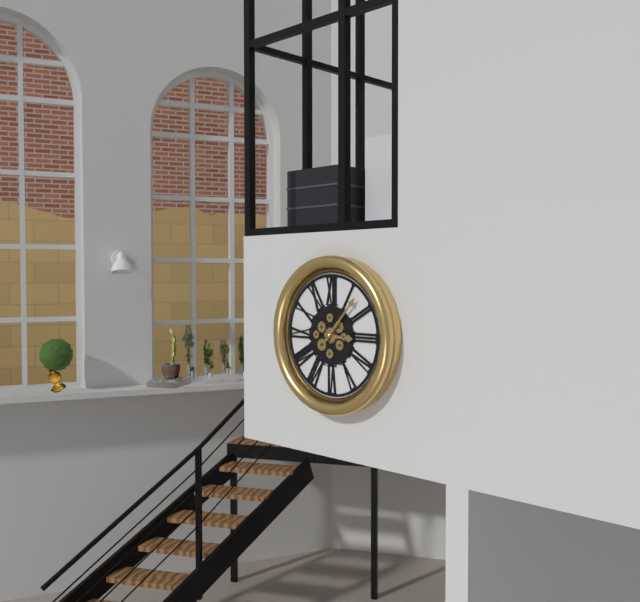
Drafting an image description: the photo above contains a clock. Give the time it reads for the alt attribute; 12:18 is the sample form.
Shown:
3:07
